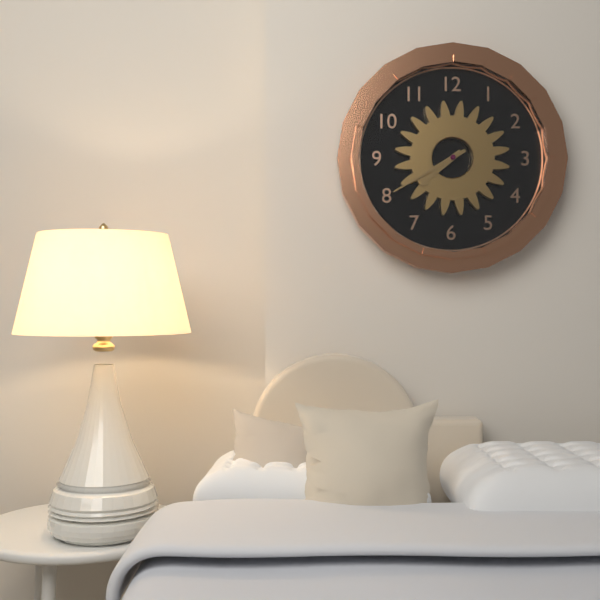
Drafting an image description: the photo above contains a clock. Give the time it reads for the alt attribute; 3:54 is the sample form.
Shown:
7:40
